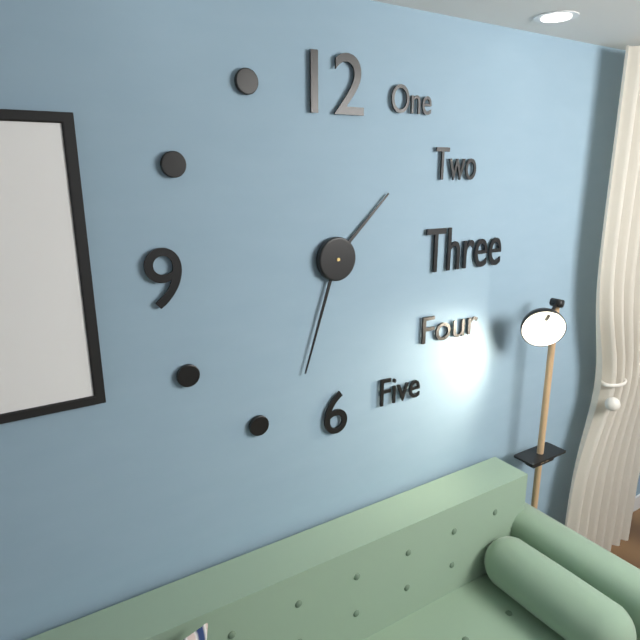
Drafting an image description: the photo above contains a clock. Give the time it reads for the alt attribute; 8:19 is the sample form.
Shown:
1:33
